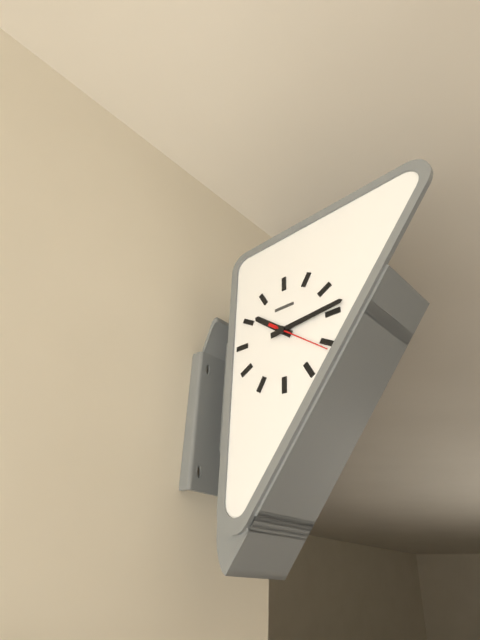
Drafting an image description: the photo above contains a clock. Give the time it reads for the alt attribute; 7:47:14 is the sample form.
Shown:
10:14:21
